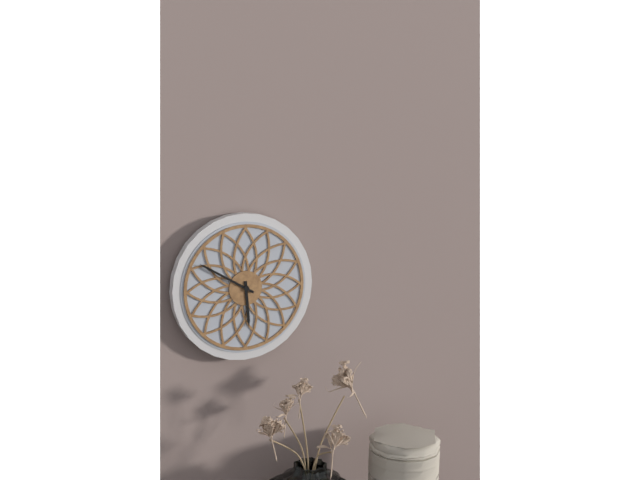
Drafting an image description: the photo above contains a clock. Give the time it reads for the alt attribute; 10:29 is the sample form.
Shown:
5:50
